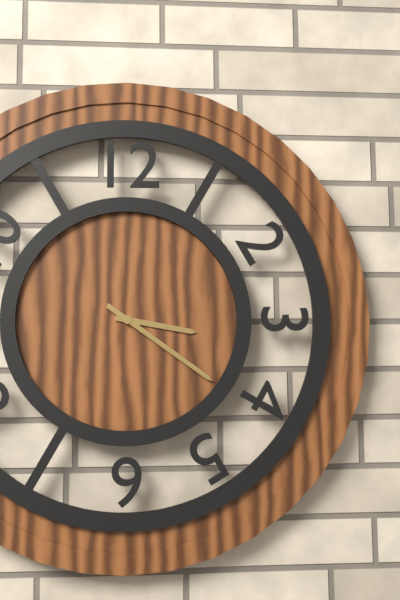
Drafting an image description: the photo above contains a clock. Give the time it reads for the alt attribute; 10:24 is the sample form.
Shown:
3:21
